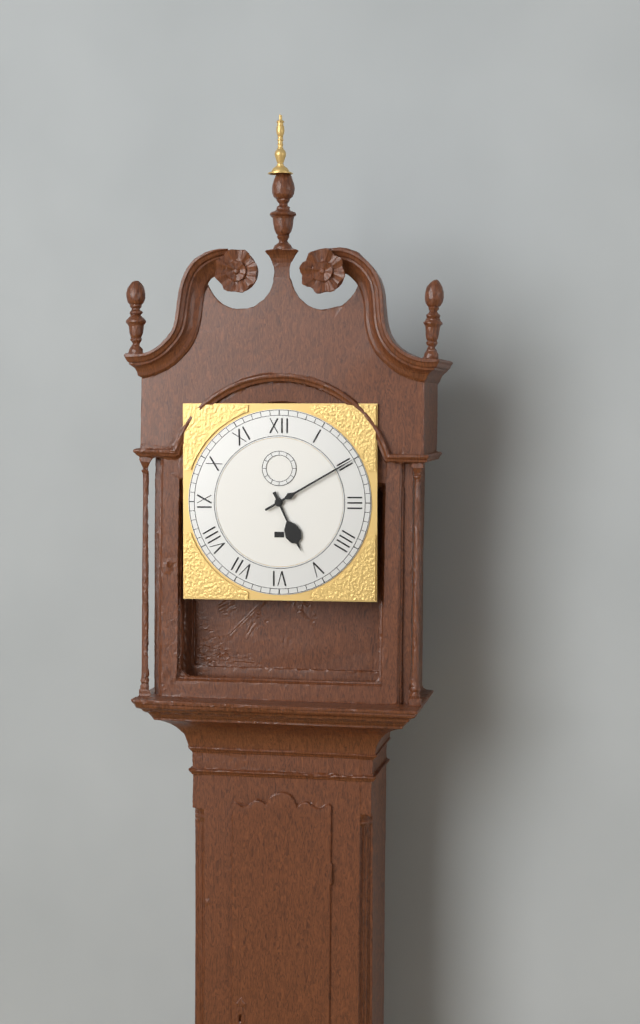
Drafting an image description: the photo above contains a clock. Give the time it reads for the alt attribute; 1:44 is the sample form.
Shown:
5:10
